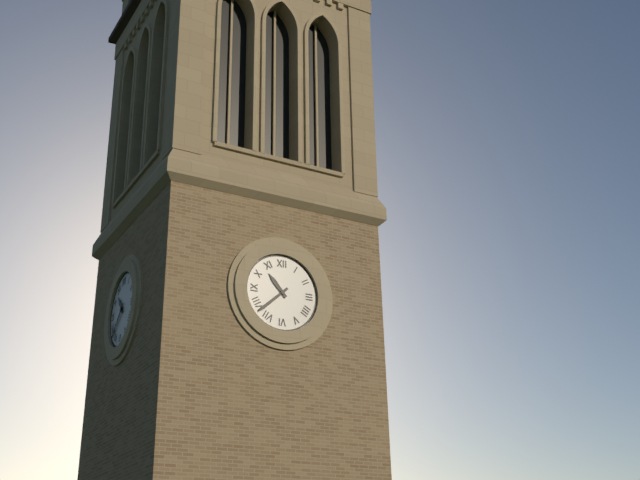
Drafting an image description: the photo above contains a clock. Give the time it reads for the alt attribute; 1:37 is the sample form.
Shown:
10:38
